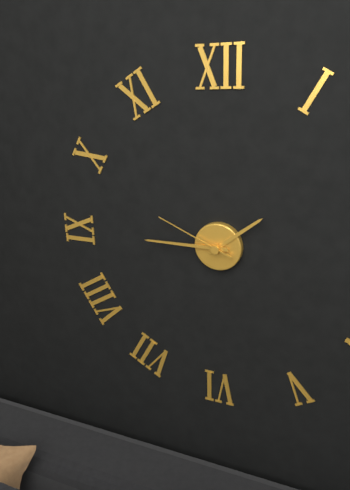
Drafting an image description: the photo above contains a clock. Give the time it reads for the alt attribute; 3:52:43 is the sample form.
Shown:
1:45:49
